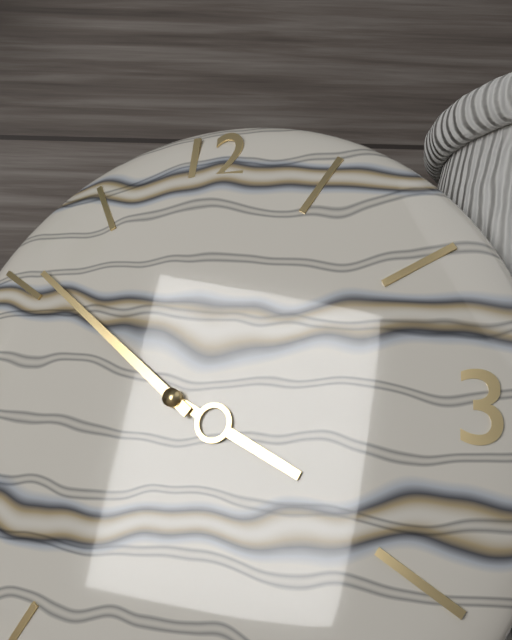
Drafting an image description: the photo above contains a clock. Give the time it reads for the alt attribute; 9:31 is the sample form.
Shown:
3:51
